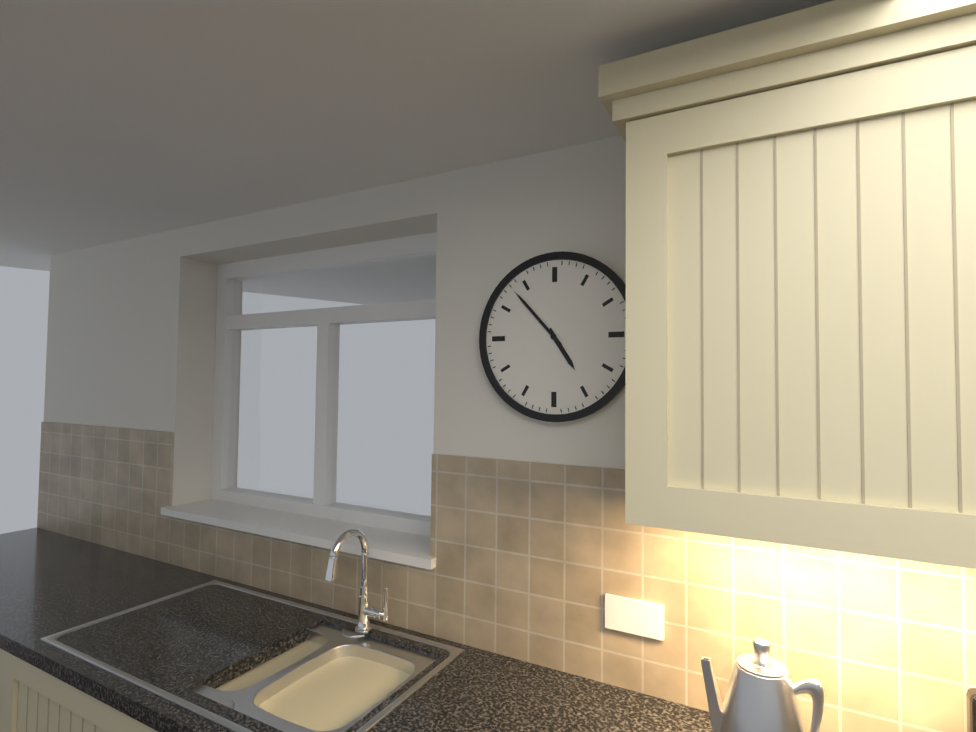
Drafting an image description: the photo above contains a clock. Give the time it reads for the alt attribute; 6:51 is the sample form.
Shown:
4:53
